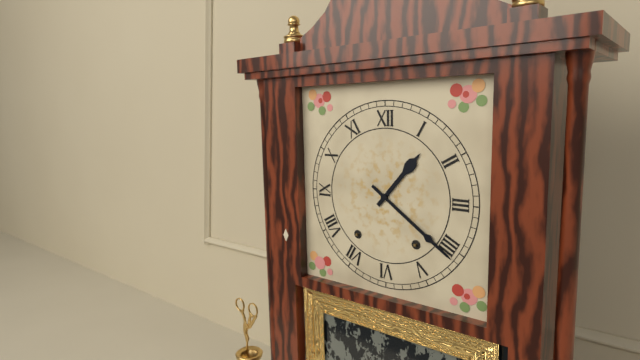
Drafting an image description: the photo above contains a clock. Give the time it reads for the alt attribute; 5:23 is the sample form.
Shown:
1:21
